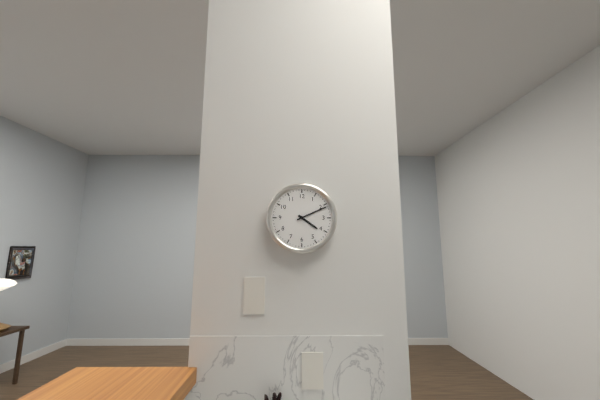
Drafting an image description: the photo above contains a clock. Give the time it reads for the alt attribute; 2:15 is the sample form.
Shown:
4:11
